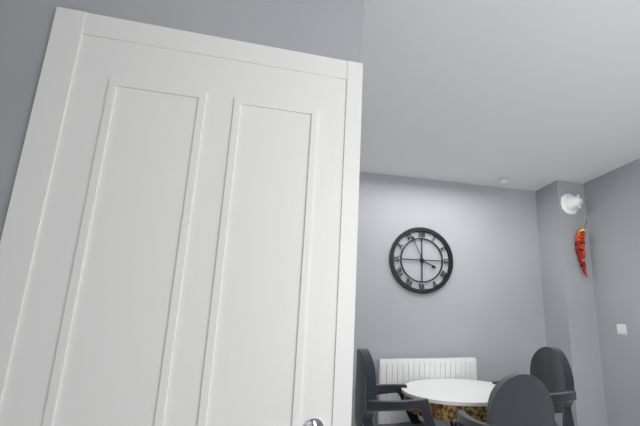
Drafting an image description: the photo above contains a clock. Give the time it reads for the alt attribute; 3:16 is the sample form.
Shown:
3:56
